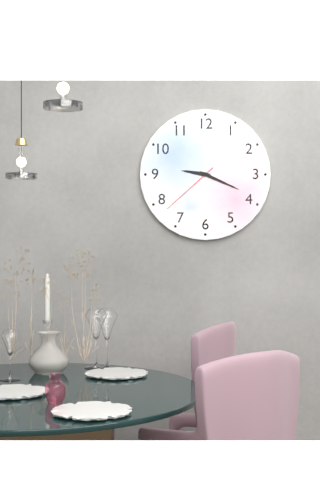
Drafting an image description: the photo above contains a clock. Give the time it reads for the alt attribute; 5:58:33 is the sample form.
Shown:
9:19:38
